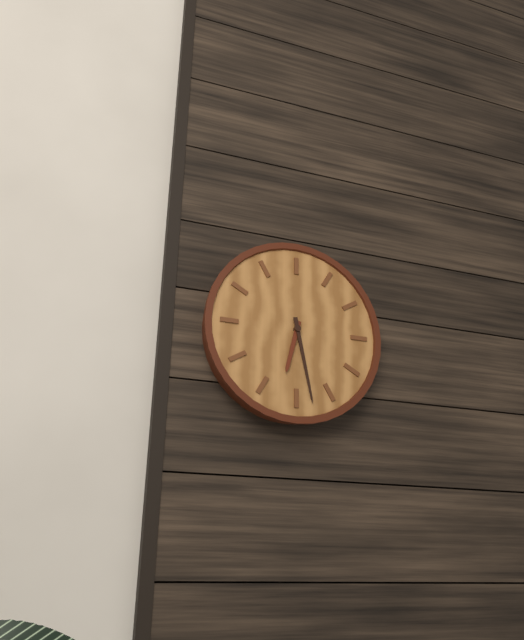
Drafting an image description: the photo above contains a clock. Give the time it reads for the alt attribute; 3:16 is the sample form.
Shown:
6:28
